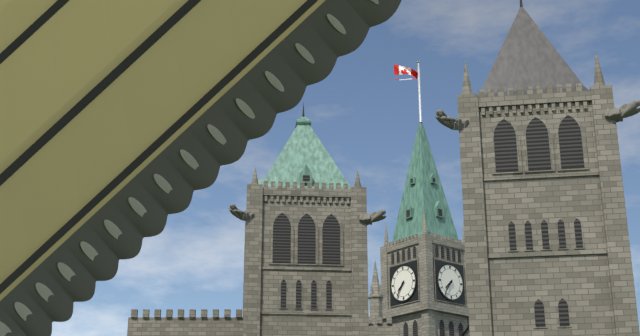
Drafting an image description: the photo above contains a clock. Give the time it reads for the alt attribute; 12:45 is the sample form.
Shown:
7:36
